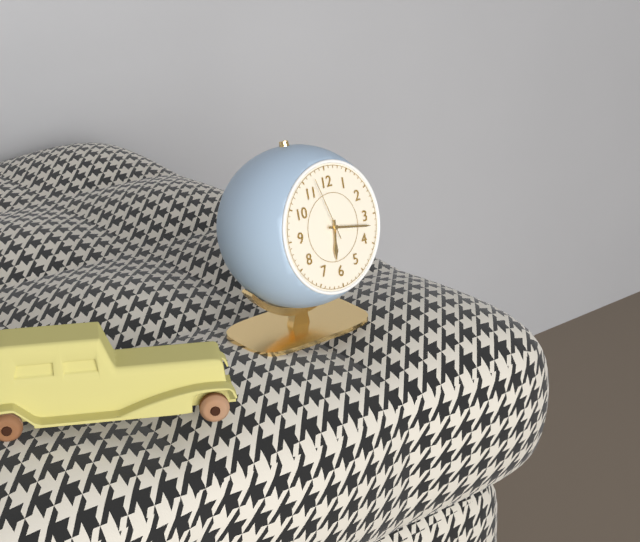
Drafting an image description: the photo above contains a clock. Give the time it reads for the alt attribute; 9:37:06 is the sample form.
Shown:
6:17:57
